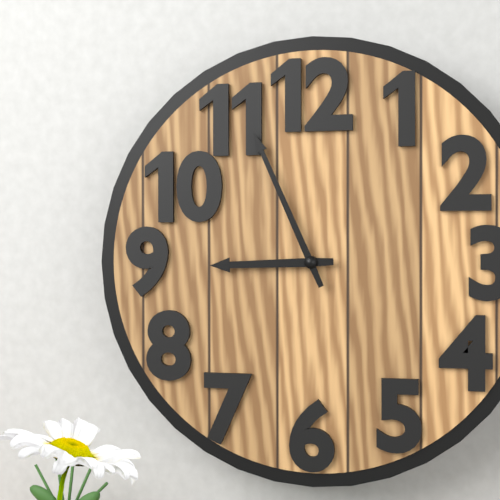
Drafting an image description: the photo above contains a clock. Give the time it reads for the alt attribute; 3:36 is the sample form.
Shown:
8:56
